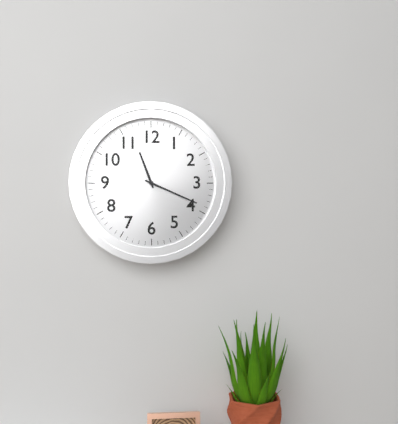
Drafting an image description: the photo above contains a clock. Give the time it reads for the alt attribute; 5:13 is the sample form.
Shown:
11:19
